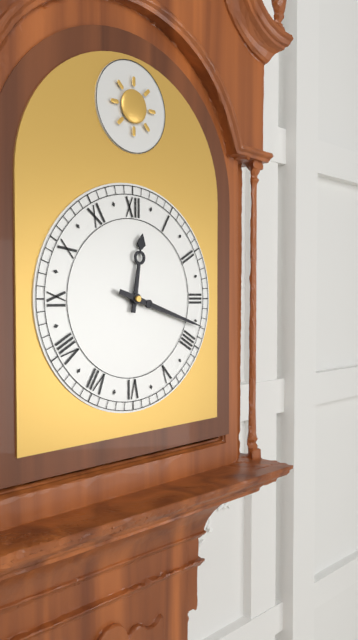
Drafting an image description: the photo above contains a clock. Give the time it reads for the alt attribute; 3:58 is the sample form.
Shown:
12:18
